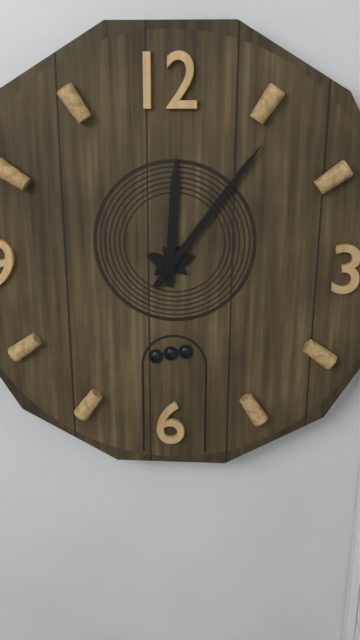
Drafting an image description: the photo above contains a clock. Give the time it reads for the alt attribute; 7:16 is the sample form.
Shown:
12:06
